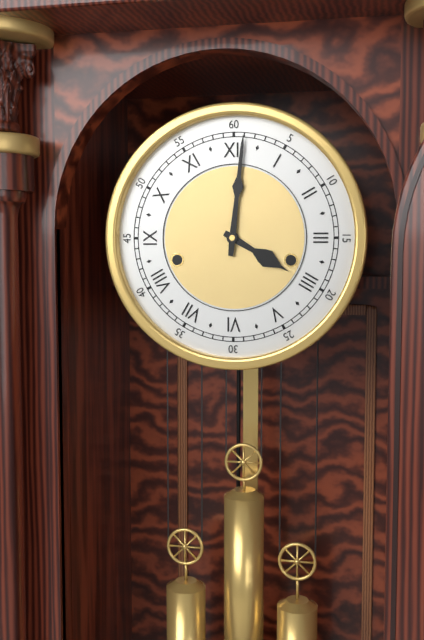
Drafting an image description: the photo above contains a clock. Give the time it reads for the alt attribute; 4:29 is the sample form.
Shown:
4:01
